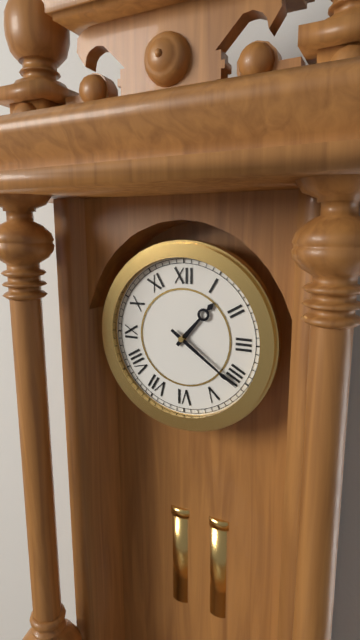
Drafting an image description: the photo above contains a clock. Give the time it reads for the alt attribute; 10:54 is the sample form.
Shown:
1:21
